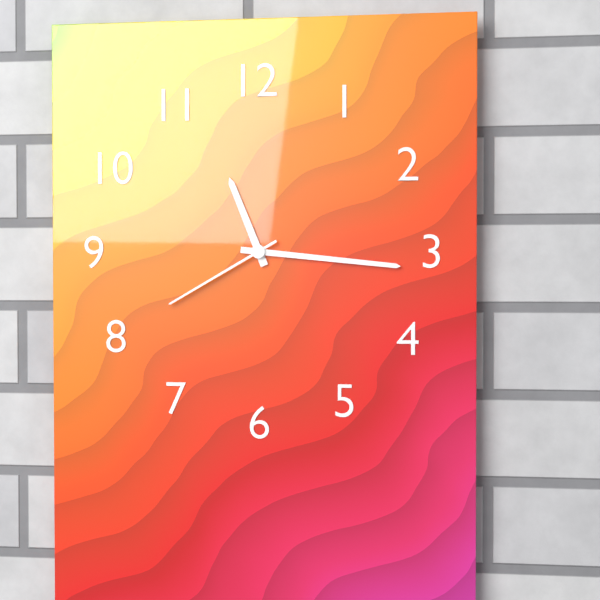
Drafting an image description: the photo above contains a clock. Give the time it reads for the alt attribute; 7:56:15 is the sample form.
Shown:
11:16:40
